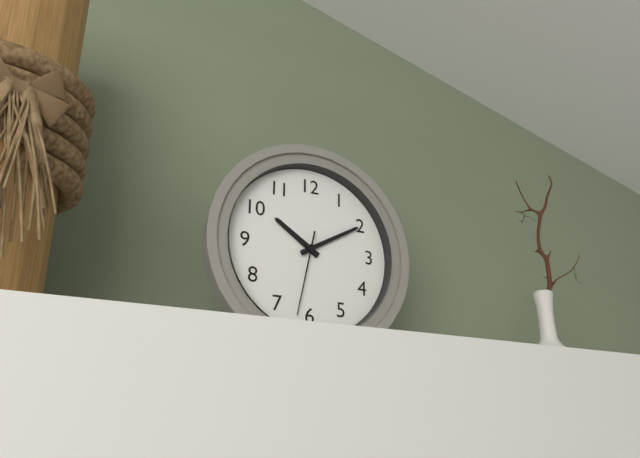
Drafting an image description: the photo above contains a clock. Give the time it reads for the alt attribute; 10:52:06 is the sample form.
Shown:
10:10:32
